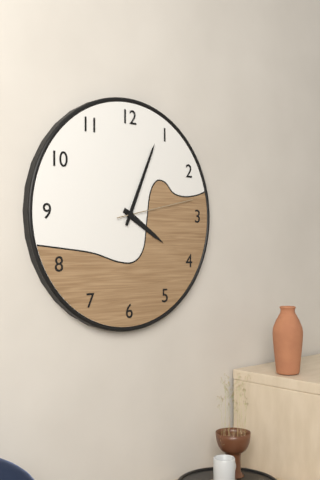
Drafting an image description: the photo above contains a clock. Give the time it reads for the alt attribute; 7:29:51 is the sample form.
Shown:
4:04:13
